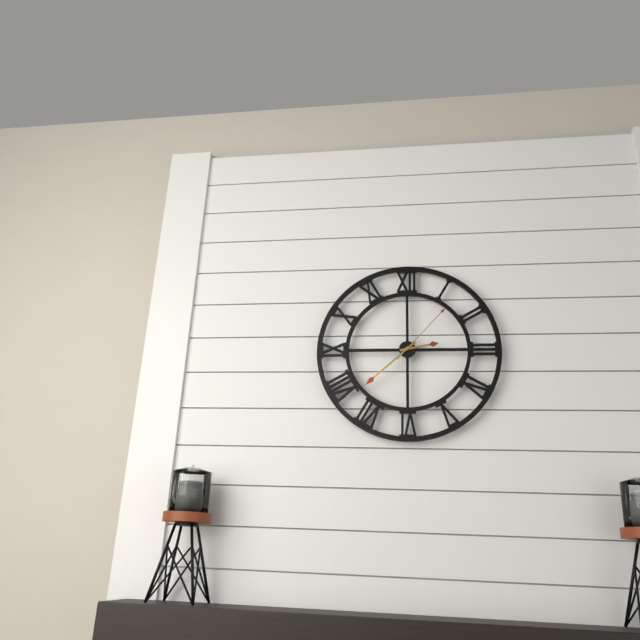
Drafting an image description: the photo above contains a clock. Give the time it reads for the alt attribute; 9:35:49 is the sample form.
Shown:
2:38:07
